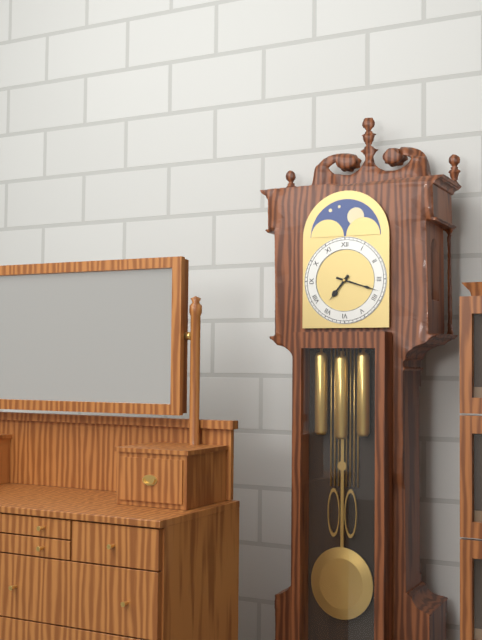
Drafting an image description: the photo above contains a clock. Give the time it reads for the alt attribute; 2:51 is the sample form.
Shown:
7:18
